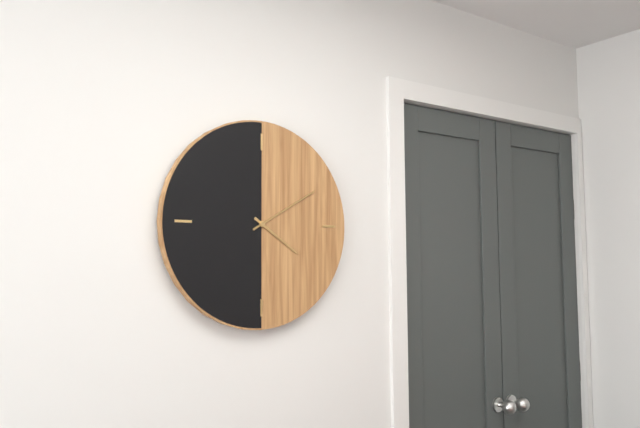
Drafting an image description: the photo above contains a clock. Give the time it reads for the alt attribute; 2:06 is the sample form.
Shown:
4:10
